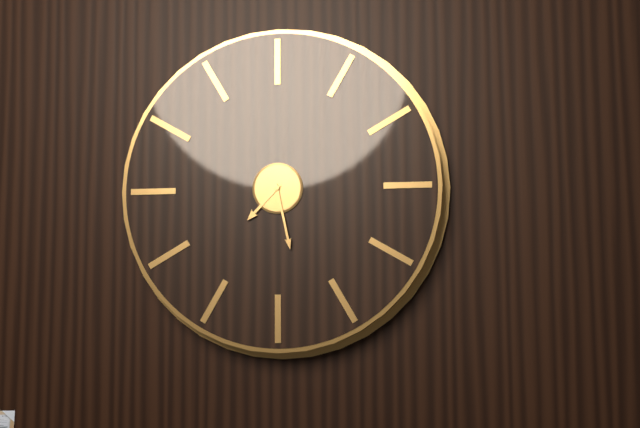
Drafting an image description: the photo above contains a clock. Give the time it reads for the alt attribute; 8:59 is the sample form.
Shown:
7:28
